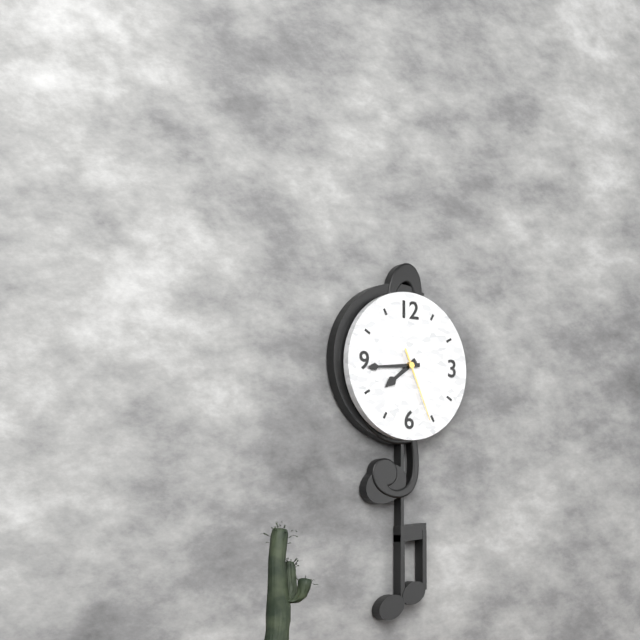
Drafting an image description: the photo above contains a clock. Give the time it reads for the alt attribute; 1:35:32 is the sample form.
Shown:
7:44:26
